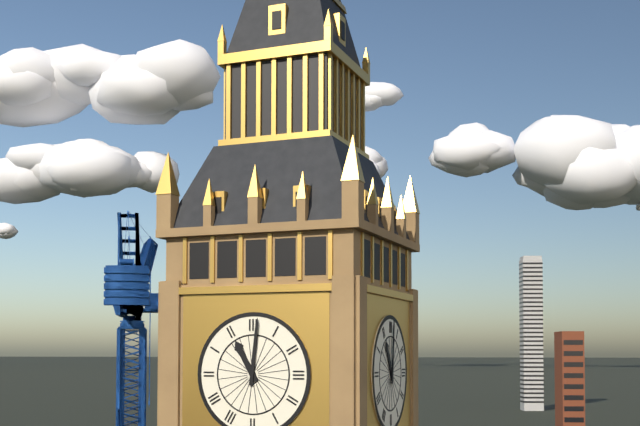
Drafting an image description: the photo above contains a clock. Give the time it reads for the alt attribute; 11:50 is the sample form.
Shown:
11:01
